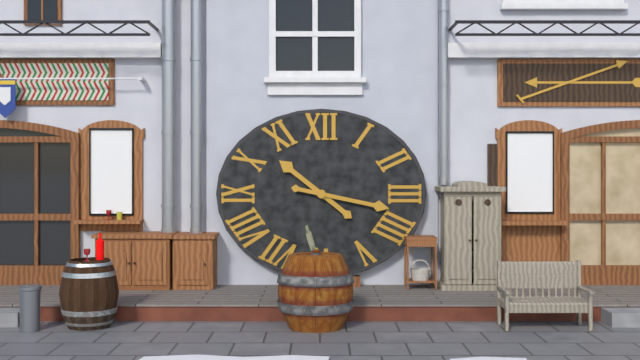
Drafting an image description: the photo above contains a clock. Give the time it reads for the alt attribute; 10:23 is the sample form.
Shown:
10:17
